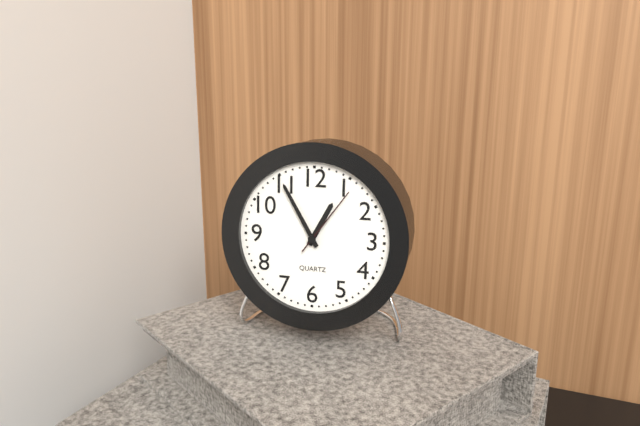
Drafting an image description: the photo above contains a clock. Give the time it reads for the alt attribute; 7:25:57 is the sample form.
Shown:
12:55:06
